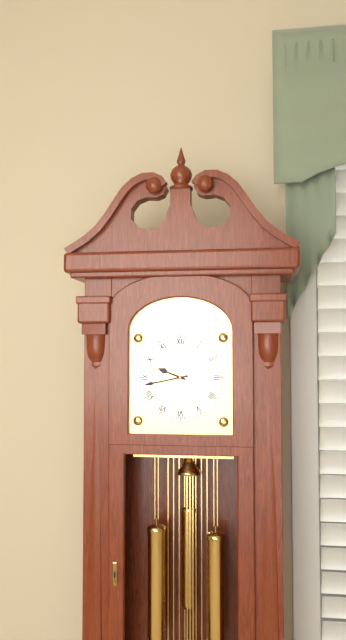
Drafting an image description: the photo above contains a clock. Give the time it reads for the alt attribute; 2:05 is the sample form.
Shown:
9:43
